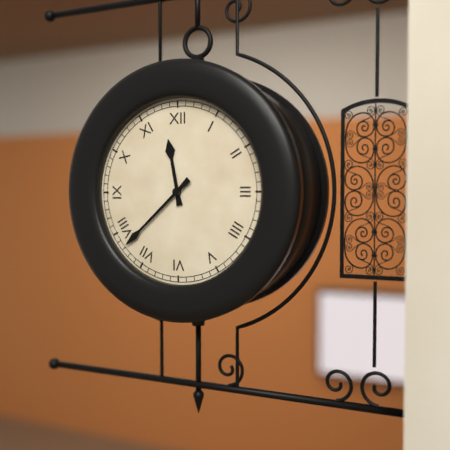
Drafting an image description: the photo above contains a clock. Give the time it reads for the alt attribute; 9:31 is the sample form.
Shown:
11:38
